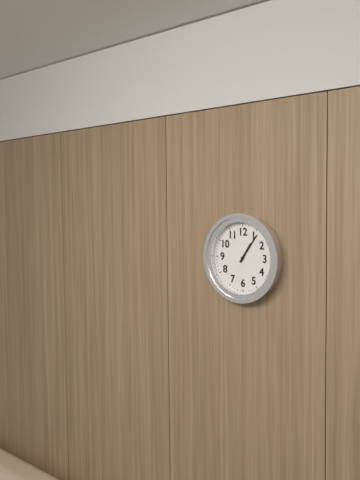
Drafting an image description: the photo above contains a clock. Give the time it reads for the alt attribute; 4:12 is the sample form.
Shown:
1:06
